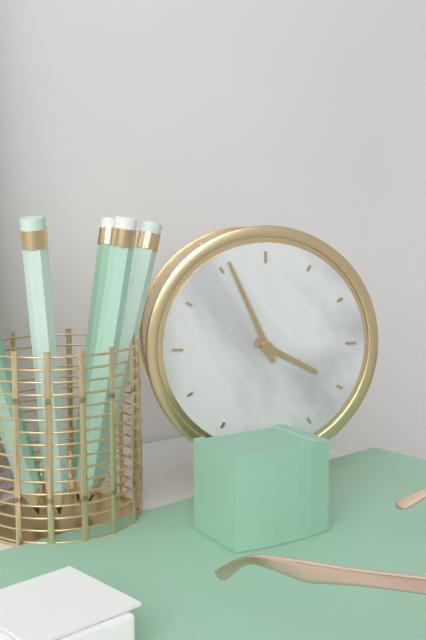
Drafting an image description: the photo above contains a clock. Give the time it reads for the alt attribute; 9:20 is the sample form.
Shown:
3:56
